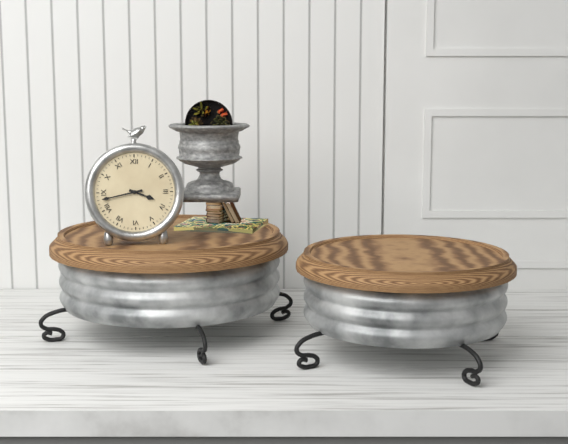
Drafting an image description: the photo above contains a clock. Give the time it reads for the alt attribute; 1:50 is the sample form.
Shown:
3:43
